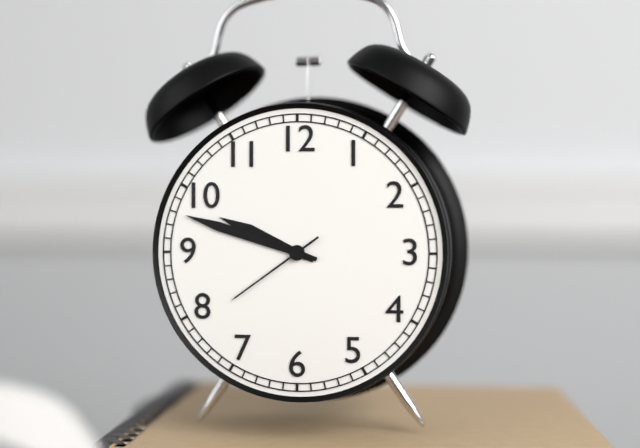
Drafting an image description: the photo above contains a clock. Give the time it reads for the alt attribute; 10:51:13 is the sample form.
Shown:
9:48:39
